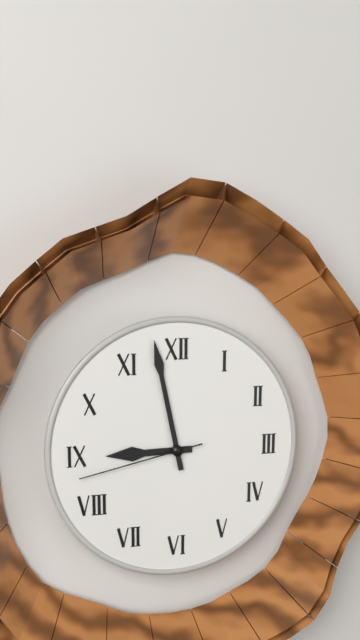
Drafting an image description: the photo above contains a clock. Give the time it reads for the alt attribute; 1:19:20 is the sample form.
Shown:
8:58:43
